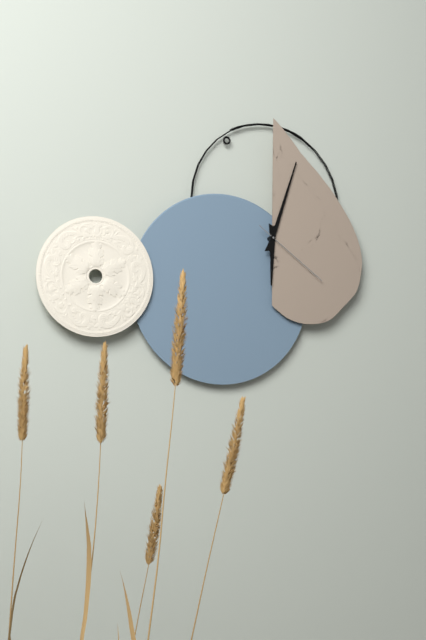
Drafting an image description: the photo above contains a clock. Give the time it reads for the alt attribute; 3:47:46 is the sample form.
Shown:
6:03:21
